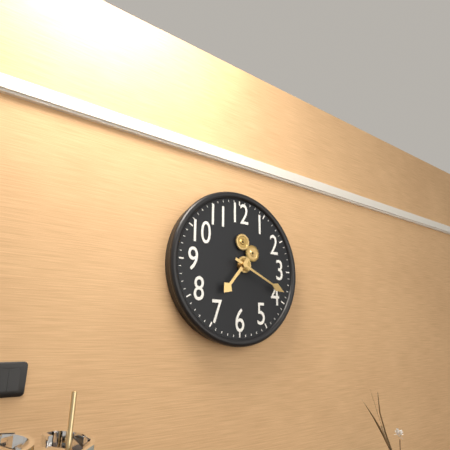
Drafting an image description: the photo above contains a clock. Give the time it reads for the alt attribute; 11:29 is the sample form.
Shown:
7:19
